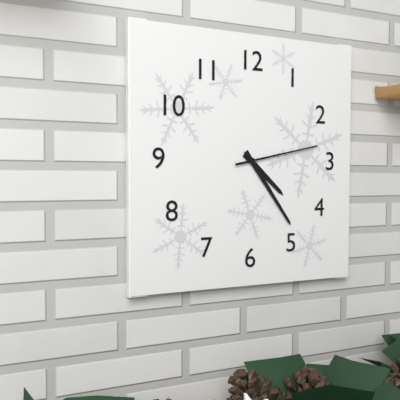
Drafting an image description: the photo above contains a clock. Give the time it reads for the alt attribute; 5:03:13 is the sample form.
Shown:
4:24:13
